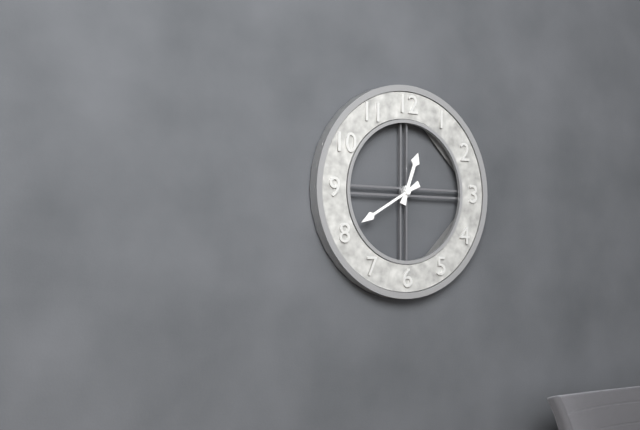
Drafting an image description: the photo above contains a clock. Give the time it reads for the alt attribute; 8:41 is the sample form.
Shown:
12:40
